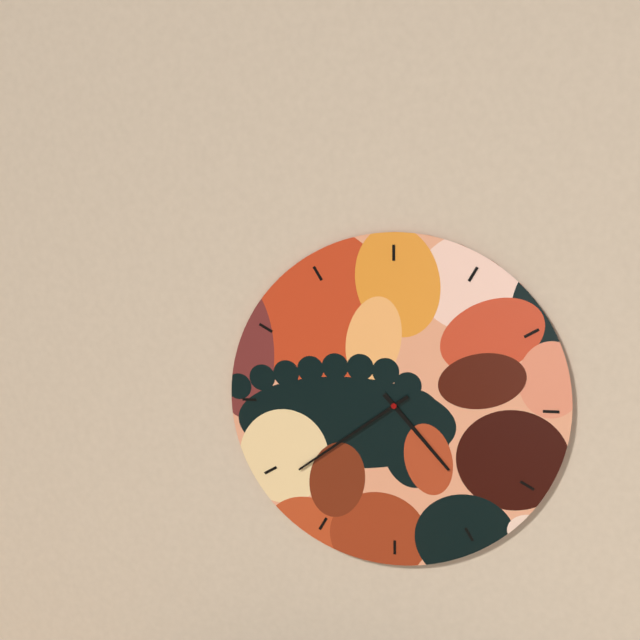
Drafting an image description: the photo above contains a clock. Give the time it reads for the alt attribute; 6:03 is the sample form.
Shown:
4:39
